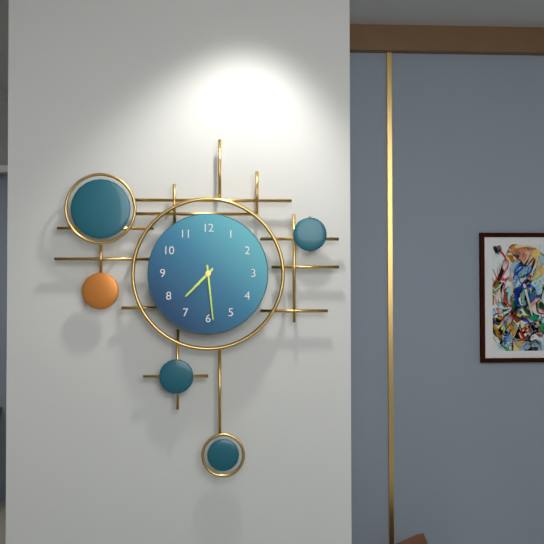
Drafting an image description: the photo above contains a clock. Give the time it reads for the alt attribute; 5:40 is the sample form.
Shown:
7:29
